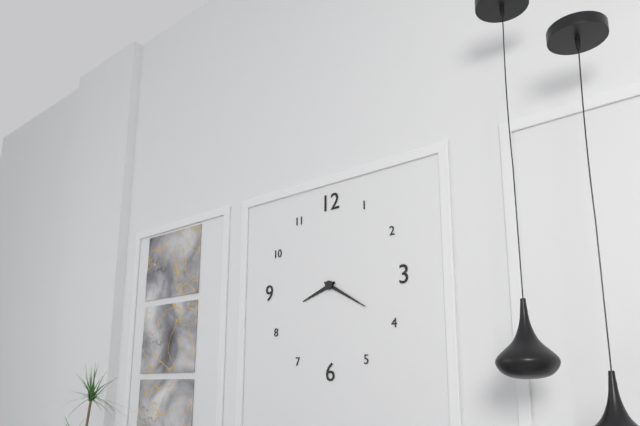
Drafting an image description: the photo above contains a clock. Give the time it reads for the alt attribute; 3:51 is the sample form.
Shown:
8:20
